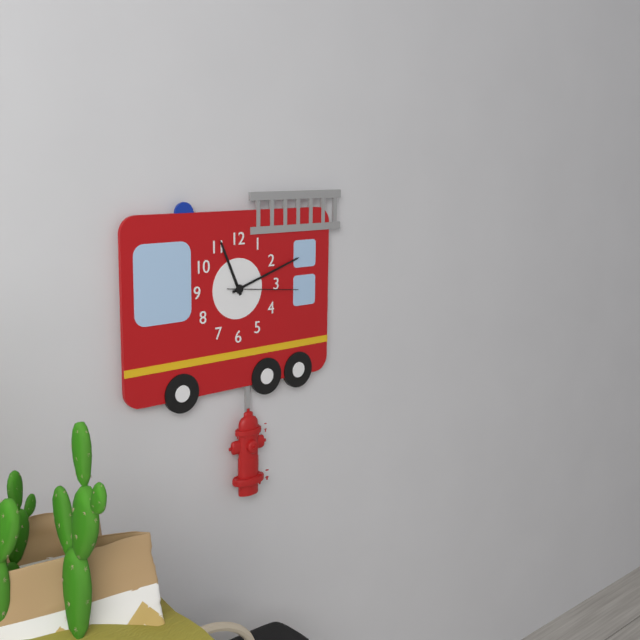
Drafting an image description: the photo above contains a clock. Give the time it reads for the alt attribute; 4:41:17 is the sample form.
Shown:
11:12:16
